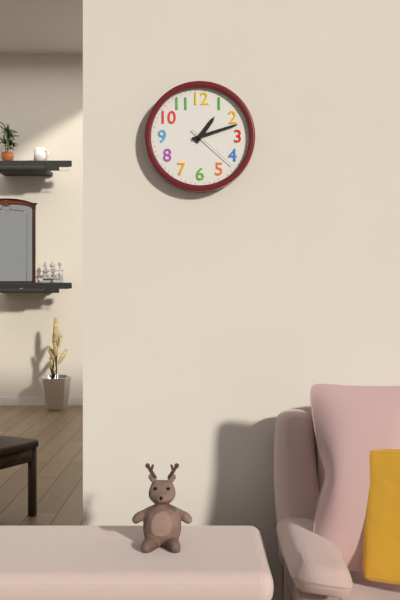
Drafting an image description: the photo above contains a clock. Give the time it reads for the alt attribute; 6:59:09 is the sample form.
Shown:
1:12:22
